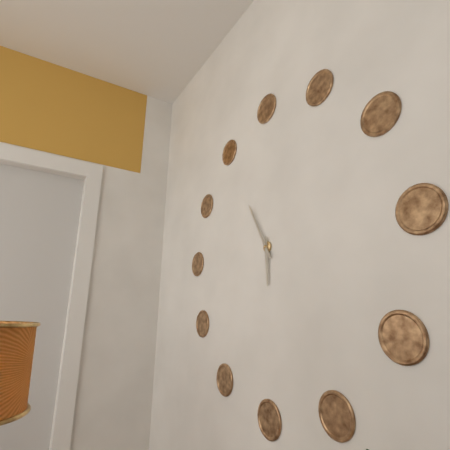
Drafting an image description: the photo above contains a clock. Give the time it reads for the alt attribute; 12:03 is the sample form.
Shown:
5:55
